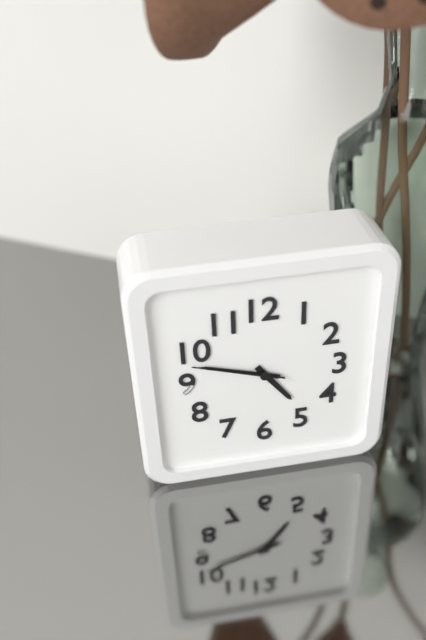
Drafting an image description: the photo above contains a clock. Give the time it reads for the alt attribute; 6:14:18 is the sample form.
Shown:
4:48:48
